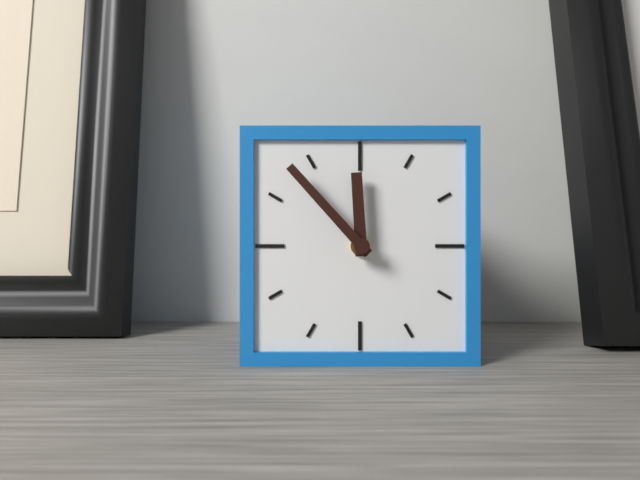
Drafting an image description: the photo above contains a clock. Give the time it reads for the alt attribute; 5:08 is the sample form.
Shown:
11:53
